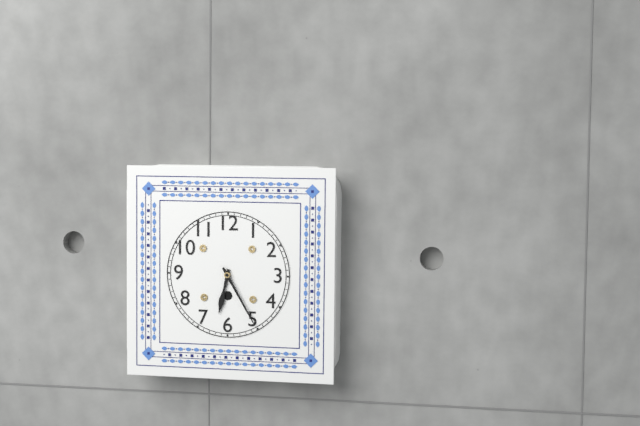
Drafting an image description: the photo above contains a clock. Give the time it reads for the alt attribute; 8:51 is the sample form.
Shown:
6:25
